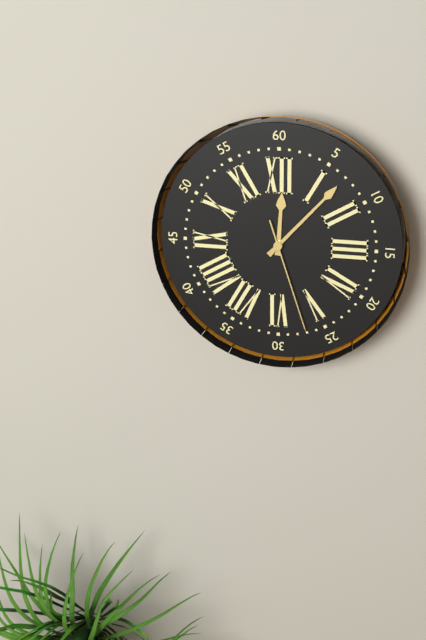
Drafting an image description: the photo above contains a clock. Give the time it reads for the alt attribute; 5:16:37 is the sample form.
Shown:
12:07:27
